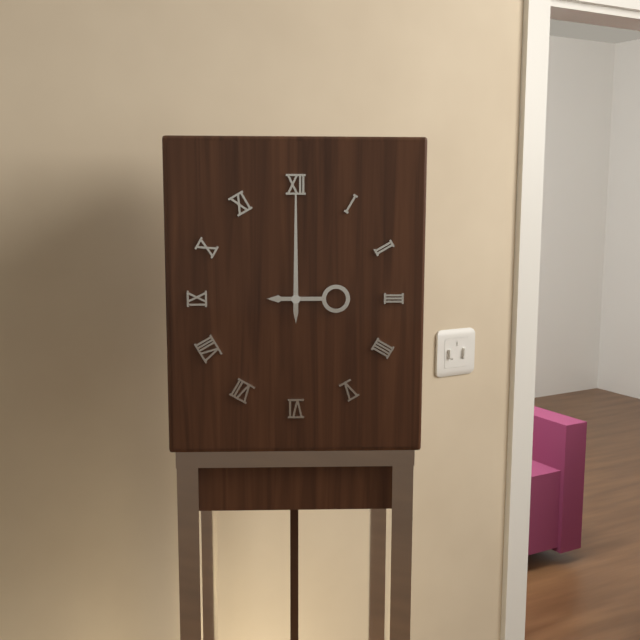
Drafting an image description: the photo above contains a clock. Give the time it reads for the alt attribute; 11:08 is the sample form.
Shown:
3:00
